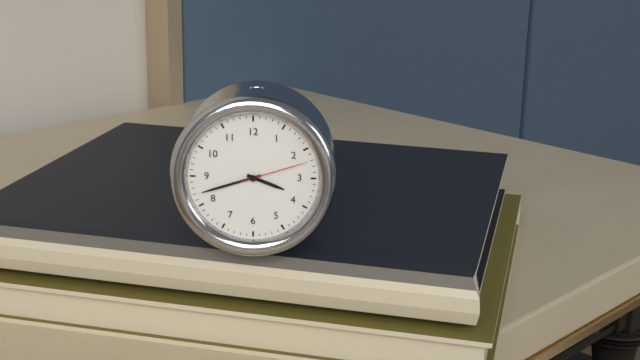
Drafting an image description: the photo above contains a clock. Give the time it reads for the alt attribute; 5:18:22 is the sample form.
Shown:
3:42:12
